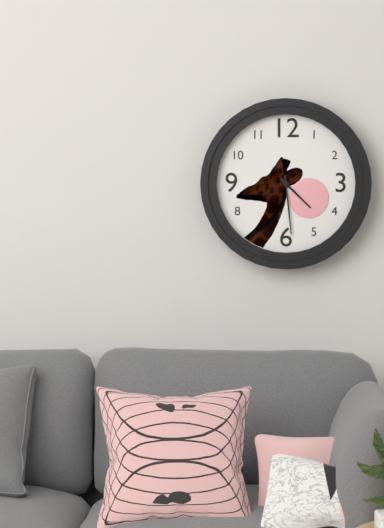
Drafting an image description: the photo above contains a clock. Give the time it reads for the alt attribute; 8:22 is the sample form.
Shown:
4:29
